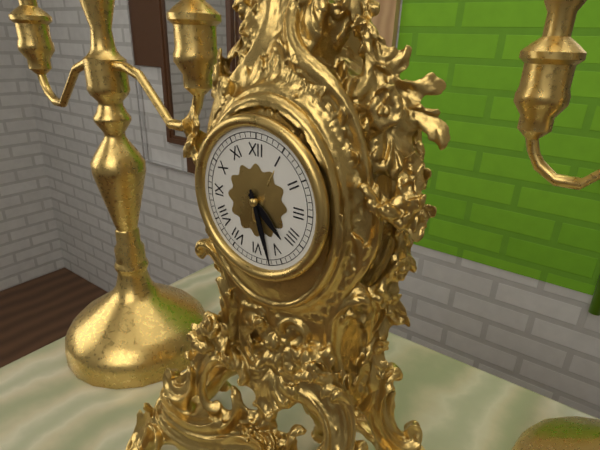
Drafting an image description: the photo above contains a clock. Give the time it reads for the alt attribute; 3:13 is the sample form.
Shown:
4:27
